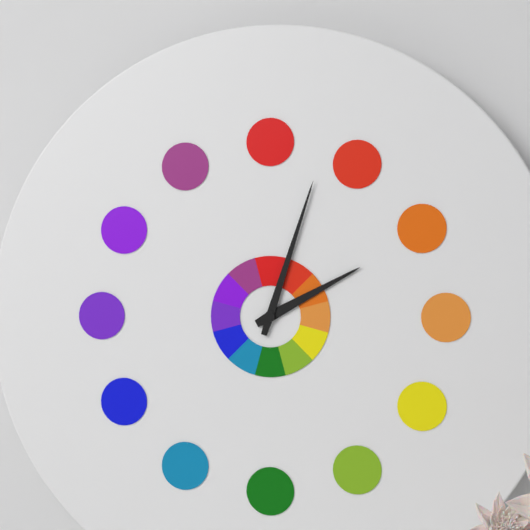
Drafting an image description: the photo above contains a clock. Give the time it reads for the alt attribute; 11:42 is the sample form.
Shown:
2:03
